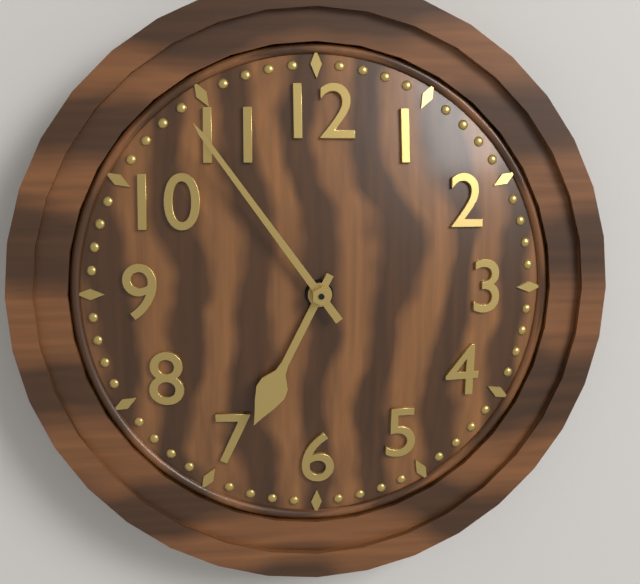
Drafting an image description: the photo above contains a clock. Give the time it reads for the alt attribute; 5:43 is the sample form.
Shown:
6:54
